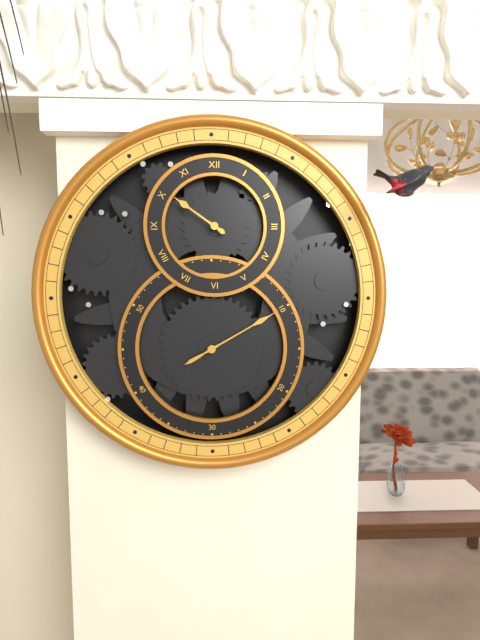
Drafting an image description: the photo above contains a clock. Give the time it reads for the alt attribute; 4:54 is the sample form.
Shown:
10:10
